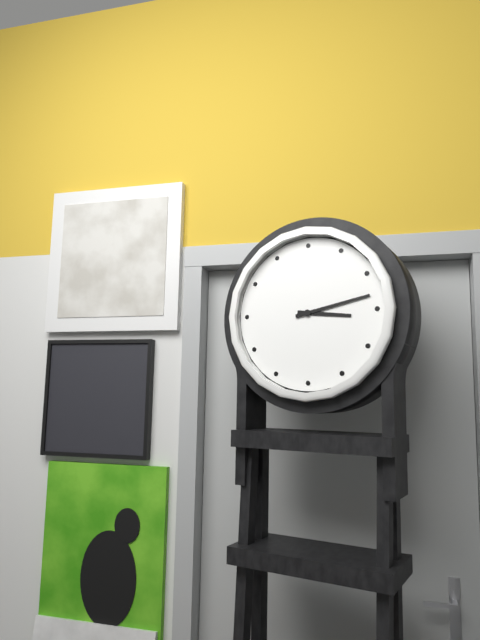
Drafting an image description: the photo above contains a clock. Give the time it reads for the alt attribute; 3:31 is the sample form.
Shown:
3:13
